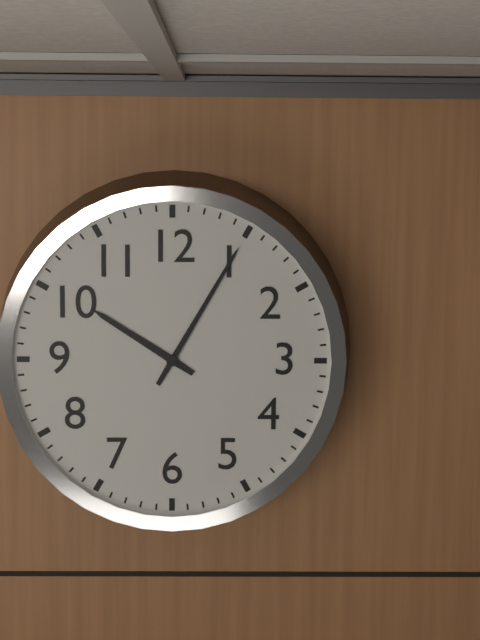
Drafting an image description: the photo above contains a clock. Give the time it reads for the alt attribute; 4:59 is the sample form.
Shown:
10:05
